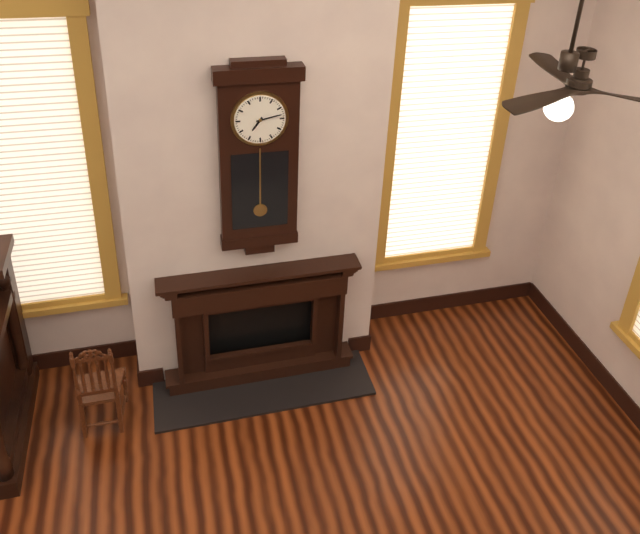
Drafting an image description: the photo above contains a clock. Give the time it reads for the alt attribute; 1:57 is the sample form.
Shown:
7:13
